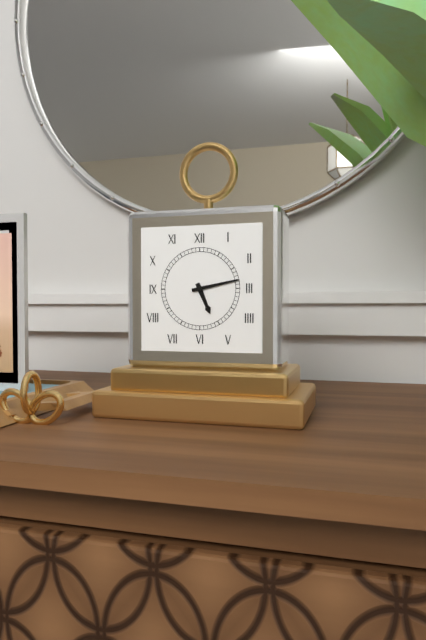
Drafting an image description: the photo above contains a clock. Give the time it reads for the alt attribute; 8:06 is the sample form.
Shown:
5:13
